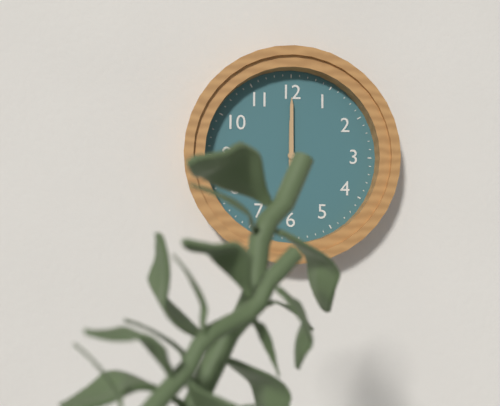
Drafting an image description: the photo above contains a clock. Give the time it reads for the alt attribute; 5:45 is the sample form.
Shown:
12:00
